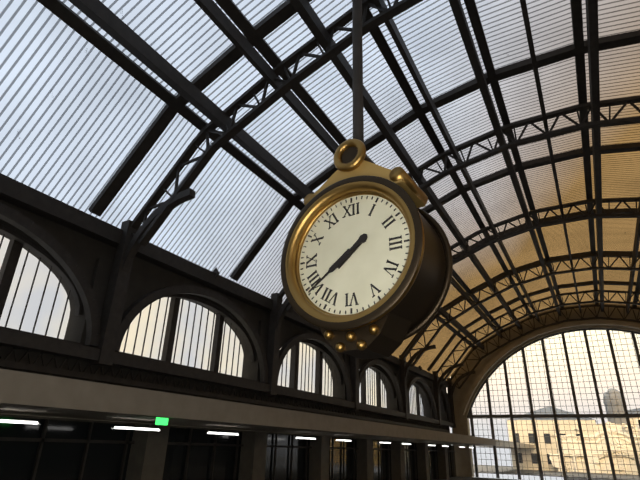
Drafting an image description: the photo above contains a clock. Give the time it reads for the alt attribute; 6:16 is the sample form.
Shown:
1:39
